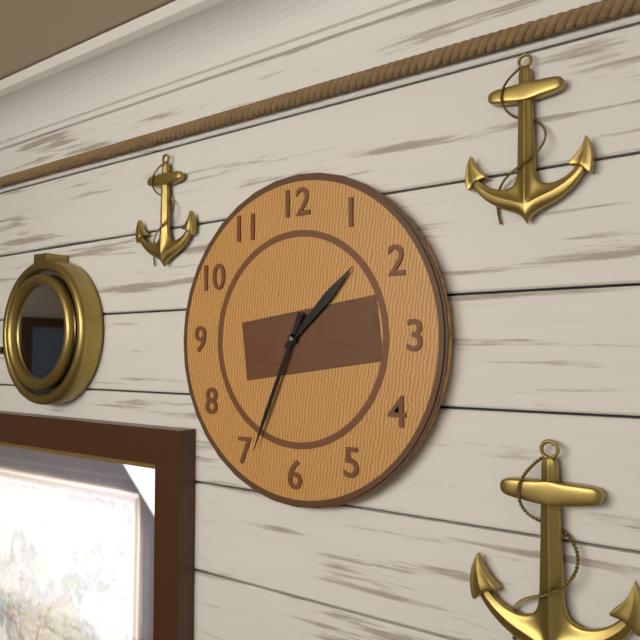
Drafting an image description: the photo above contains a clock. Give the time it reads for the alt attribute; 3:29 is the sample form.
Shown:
1:34
